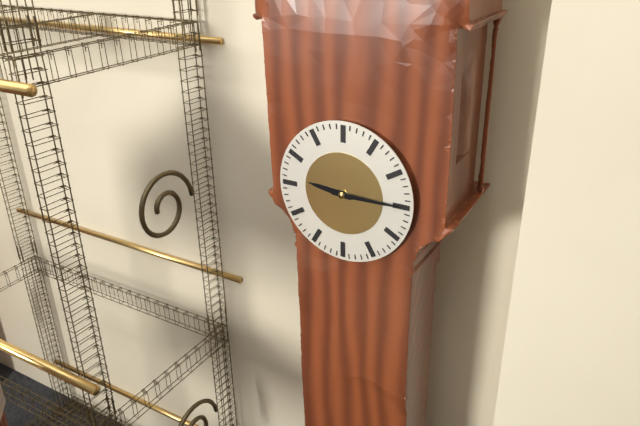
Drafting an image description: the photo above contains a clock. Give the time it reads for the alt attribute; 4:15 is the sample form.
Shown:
9:15
